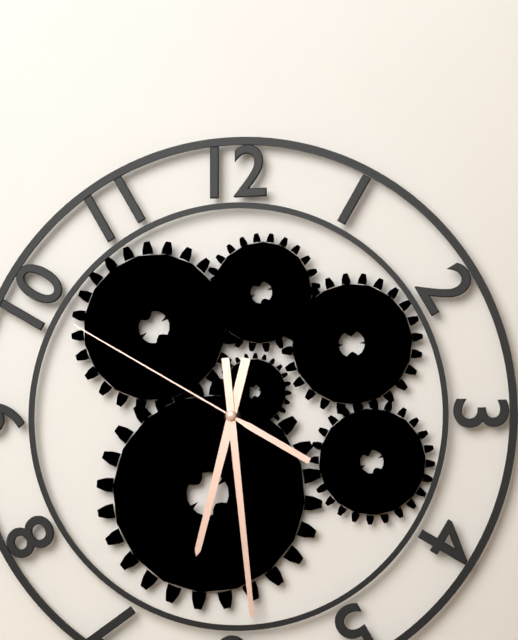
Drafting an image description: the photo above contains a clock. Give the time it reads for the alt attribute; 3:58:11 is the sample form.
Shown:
6:29:50
